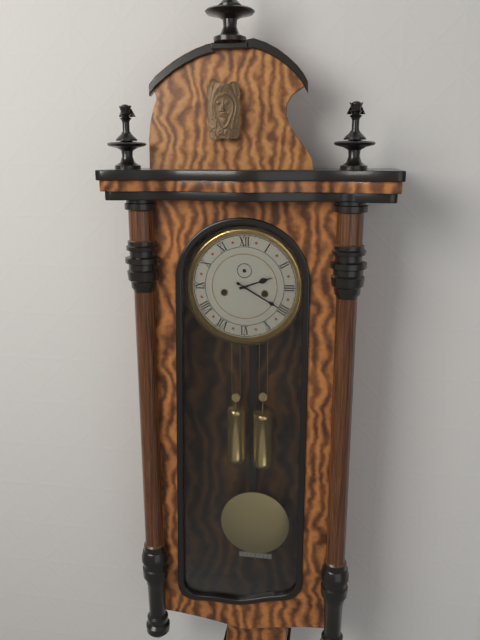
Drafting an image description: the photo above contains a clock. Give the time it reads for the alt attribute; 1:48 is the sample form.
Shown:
2:20
